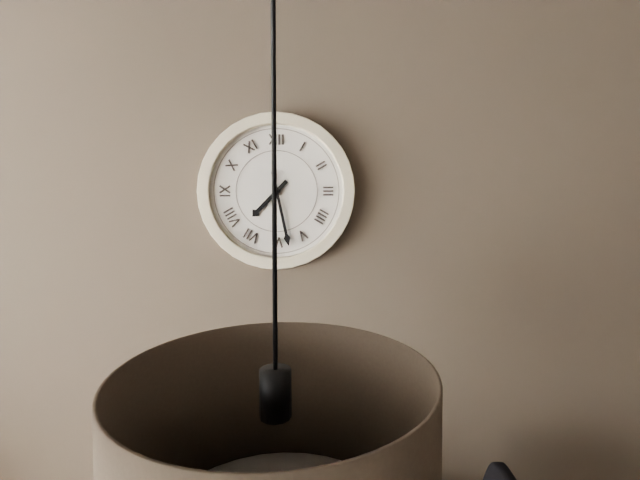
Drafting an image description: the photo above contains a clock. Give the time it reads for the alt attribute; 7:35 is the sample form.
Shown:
7:28
